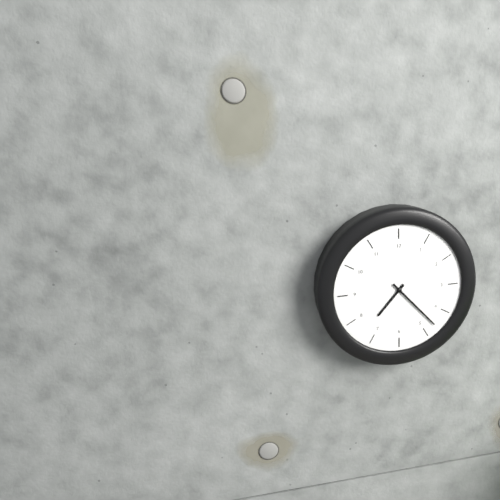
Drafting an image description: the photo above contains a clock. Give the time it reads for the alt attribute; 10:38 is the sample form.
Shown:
7:23
